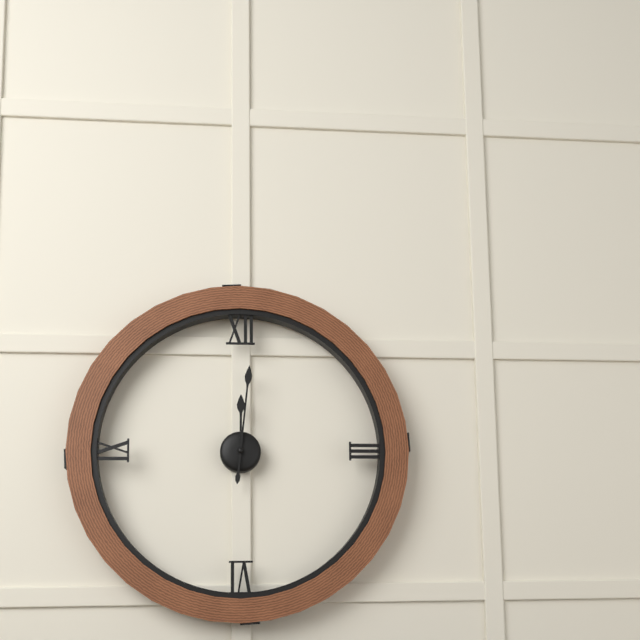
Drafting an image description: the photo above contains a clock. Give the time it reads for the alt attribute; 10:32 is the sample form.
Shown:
12:01
